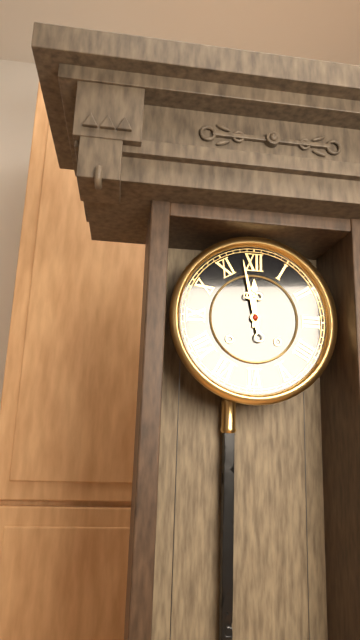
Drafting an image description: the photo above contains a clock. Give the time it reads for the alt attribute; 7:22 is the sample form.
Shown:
11:58
